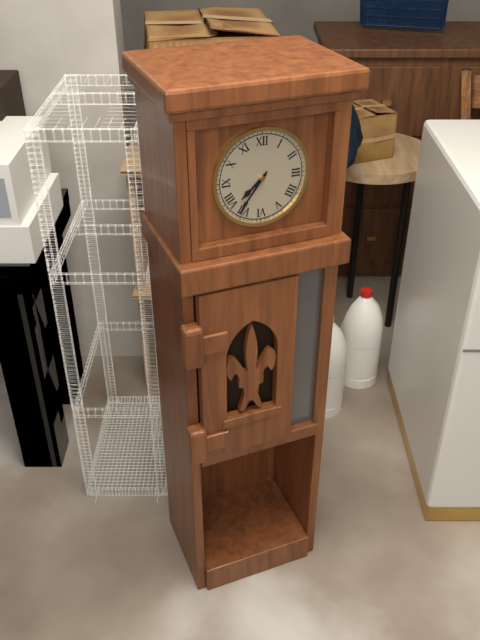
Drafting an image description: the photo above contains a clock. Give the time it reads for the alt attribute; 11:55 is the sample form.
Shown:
7:36
